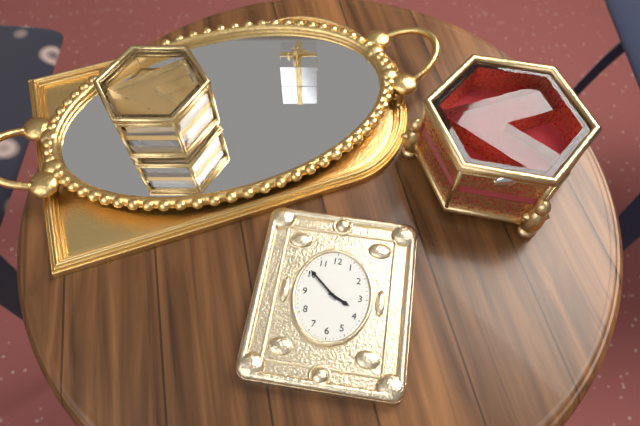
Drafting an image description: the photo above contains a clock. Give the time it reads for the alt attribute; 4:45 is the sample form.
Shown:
3:52
